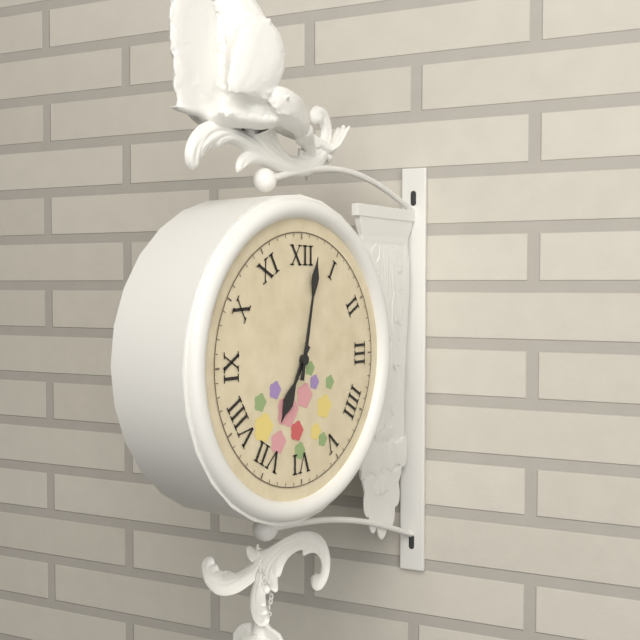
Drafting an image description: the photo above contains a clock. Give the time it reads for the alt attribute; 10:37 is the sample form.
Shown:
7:02
